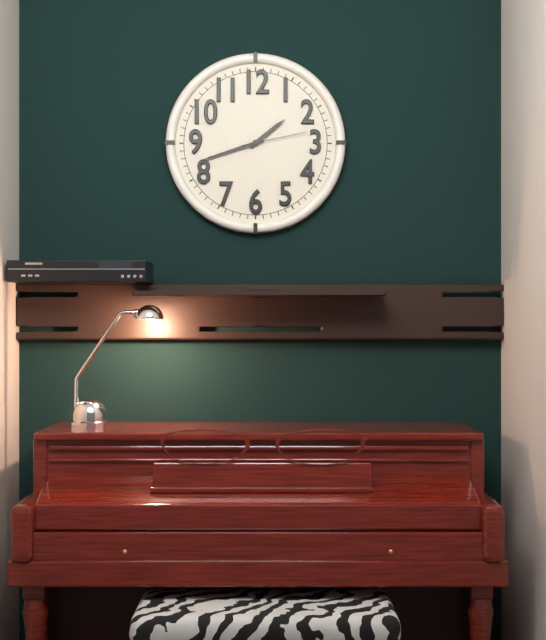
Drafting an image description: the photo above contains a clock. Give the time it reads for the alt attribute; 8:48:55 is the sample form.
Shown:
1:42:13
